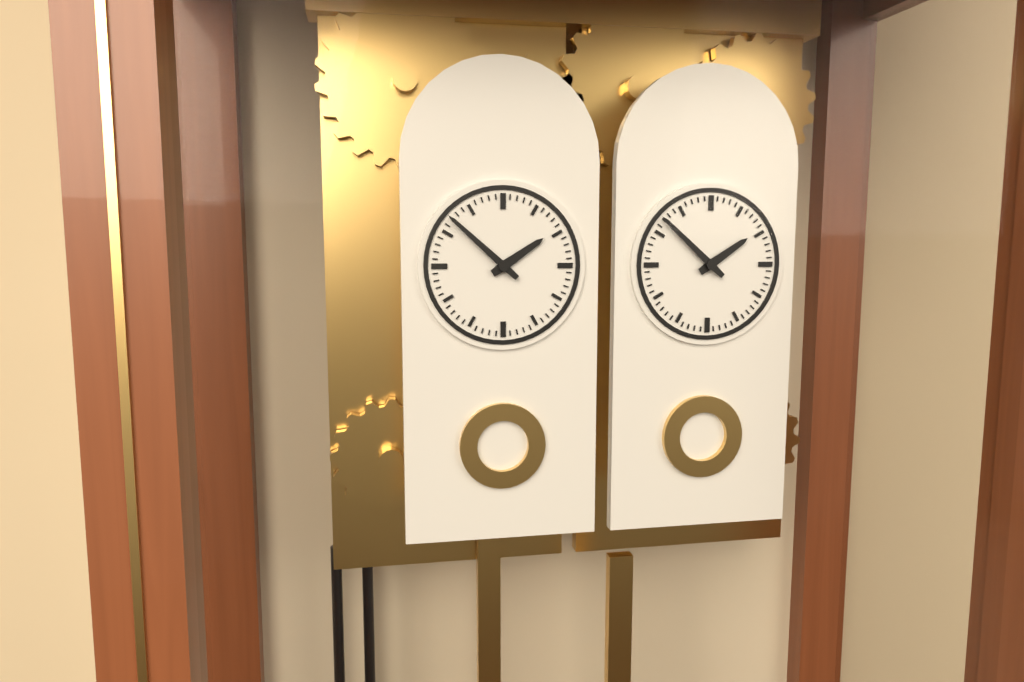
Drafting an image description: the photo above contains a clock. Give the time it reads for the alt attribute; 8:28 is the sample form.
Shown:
1:52
